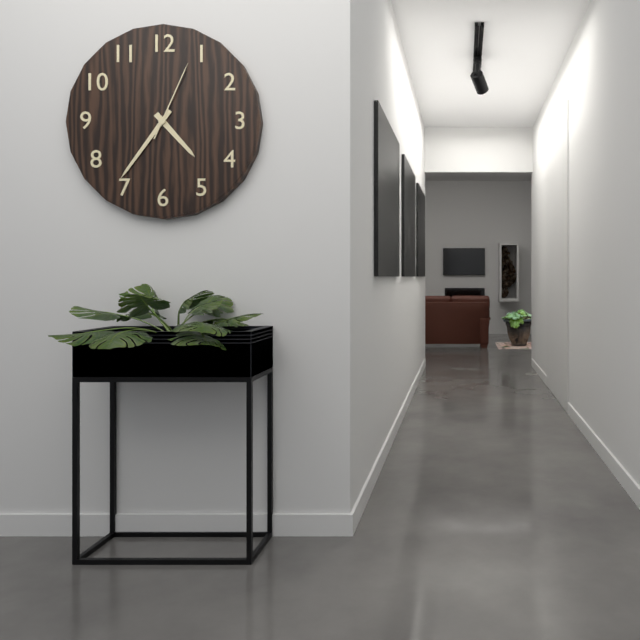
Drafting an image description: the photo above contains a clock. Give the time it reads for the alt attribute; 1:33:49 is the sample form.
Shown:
4:36:04
